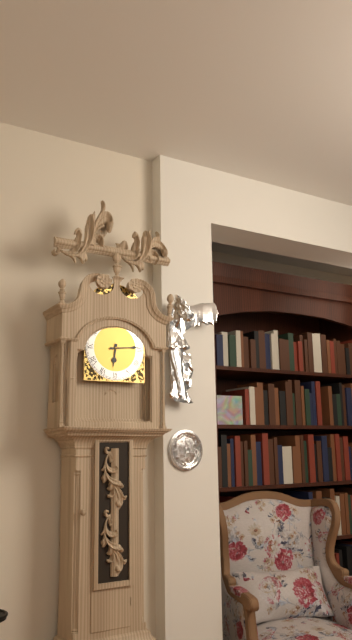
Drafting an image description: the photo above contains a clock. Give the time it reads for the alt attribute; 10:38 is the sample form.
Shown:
6:14
